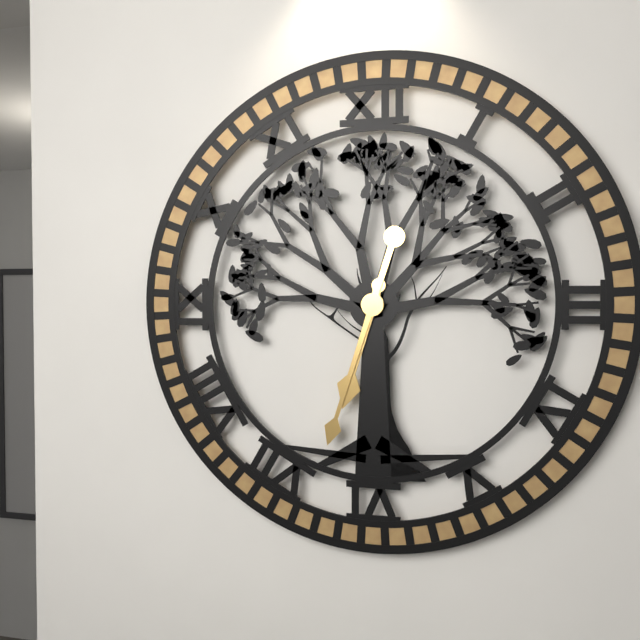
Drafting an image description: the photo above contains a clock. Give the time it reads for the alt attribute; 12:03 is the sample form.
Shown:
6:33
